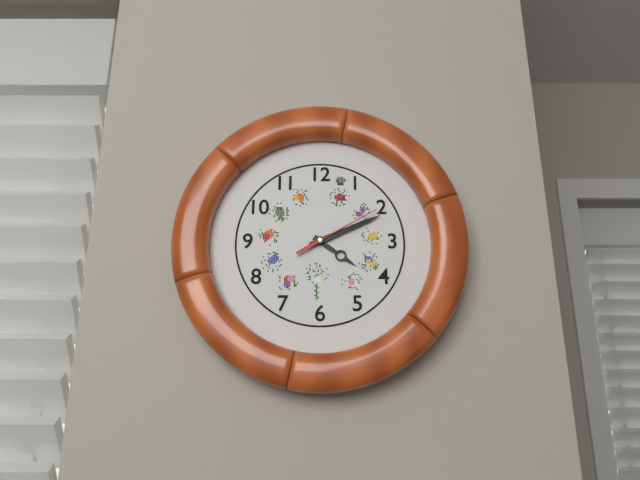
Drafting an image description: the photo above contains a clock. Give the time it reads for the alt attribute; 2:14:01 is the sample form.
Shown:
4:11:10
